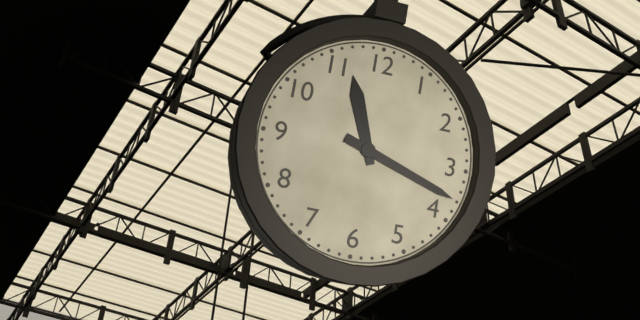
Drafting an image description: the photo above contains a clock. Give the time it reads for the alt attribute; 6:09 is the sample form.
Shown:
11:18
